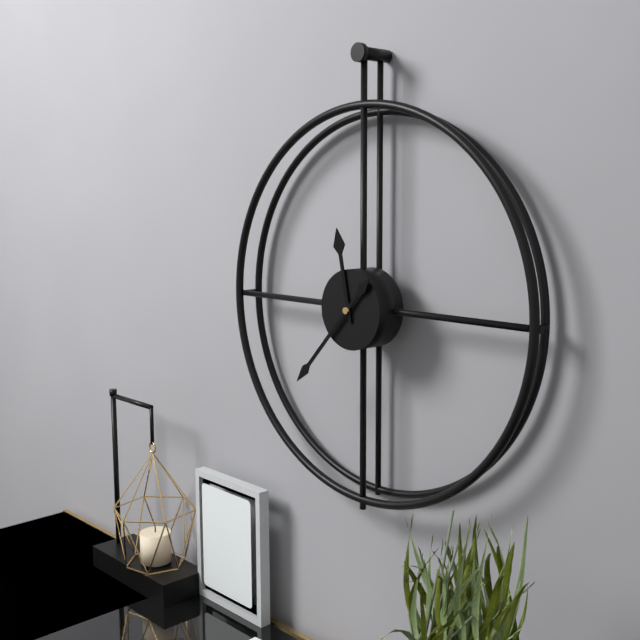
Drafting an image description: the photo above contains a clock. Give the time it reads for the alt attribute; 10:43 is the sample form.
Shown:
11:37
